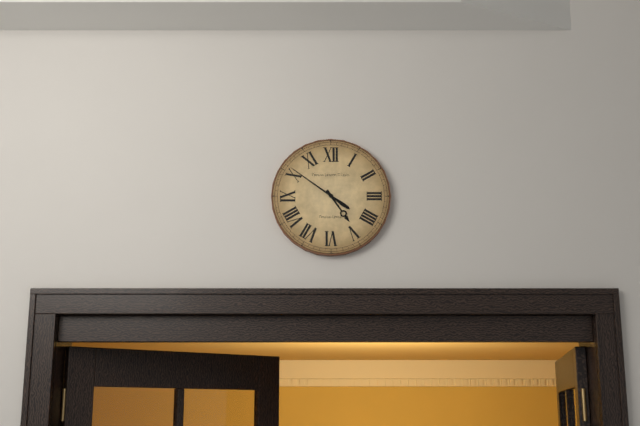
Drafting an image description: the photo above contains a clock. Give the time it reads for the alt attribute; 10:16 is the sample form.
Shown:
4:51
